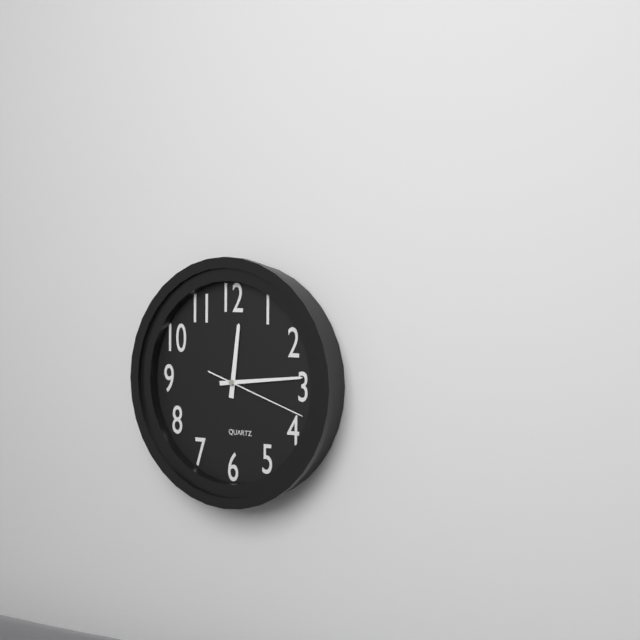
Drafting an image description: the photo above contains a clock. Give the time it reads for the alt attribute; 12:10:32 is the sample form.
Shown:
12:14:18
